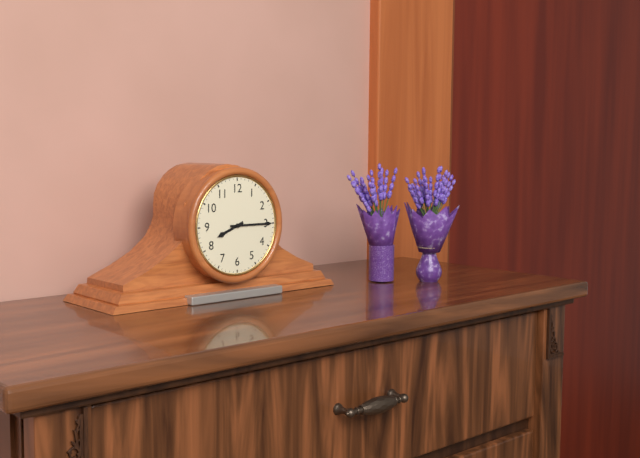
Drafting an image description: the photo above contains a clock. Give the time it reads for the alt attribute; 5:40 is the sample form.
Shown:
8:15
